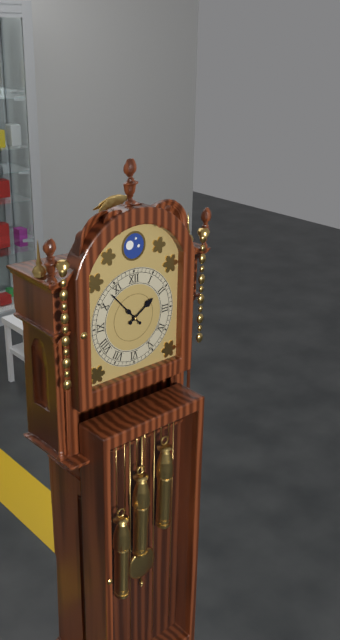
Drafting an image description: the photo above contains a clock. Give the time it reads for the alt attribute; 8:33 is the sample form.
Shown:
1:53
